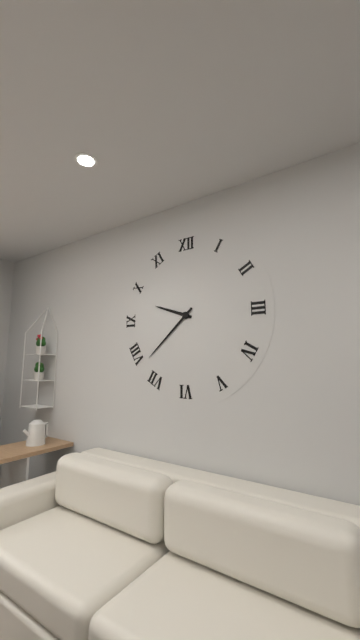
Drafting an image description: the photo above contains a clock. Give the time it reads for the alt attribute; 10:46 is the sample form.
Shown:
9:38
